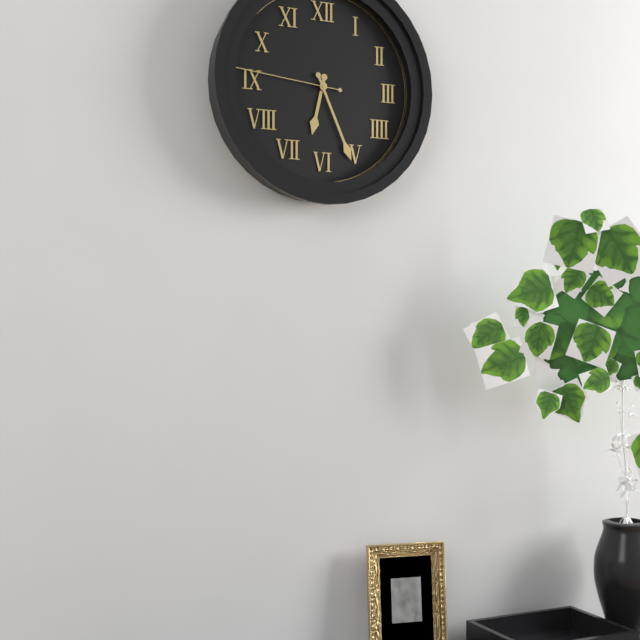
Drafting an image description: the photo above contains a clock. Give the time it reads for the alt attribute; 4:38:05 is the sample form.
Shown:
6:26:46
